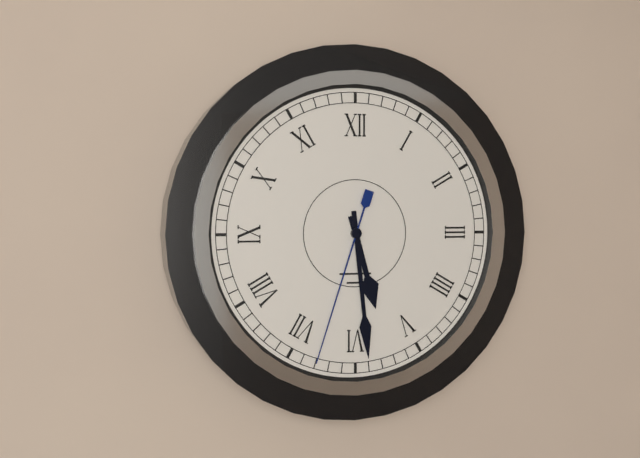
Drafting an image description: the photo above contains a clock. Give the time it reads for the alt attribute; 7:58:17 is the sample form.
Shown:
5:29:33
